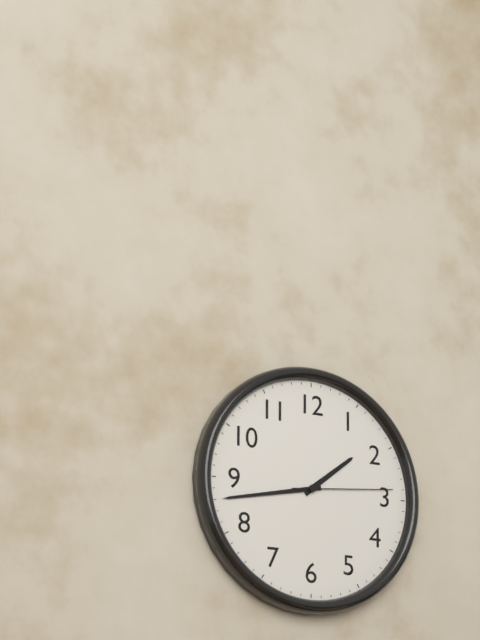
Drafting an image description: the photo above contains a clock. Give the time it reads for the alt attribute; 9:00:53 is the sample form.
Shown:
1:43:14
